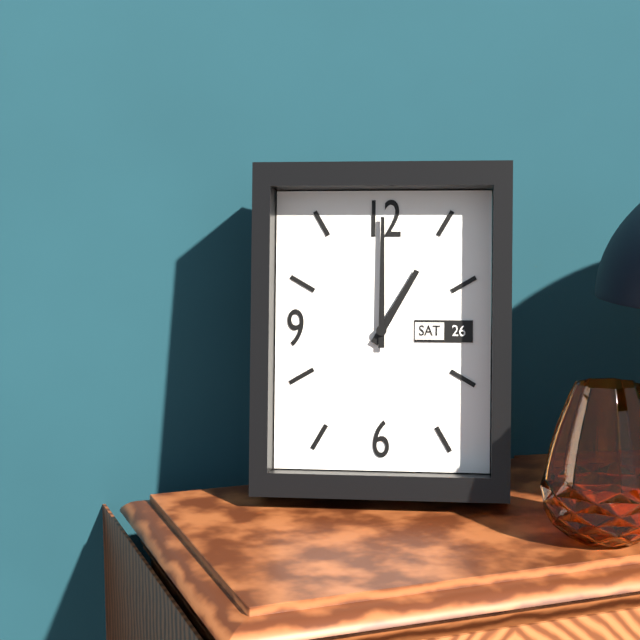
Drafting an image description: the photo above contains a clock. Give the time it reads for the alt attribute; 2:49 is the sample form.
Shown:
1:00
